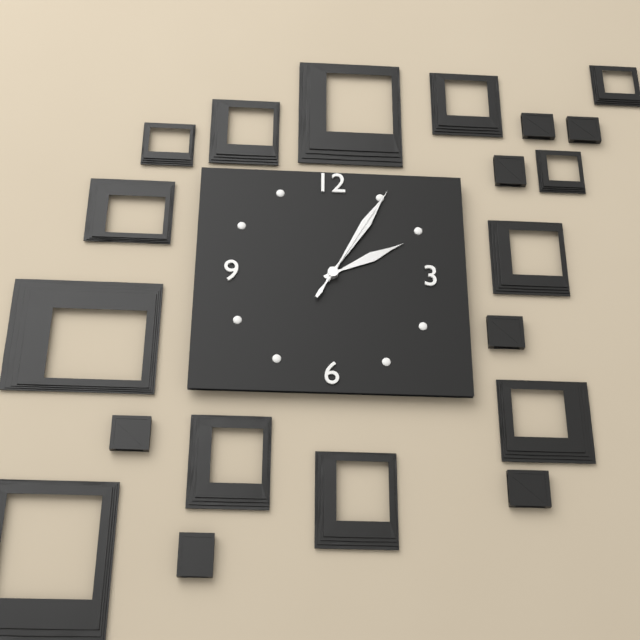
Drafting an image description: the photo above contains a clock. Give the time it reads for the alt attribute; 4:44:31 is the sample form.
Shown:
2:05:05
